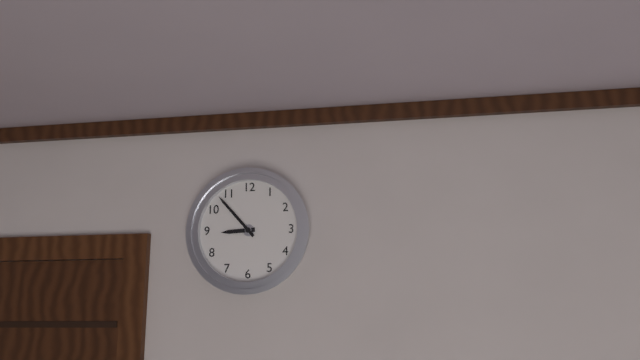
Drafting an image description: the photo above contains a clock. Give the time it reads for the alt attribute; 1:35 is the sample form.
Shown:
8:53
